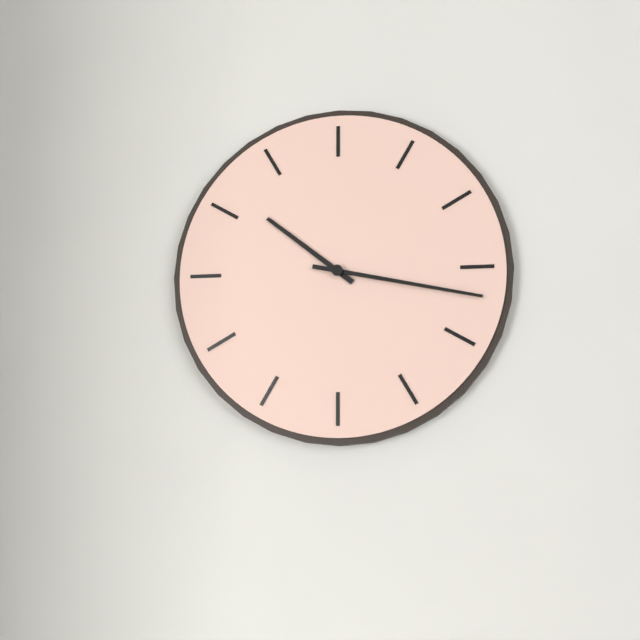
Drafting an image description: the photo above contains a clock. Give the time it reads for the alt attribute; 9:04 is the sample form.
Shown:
10:17
